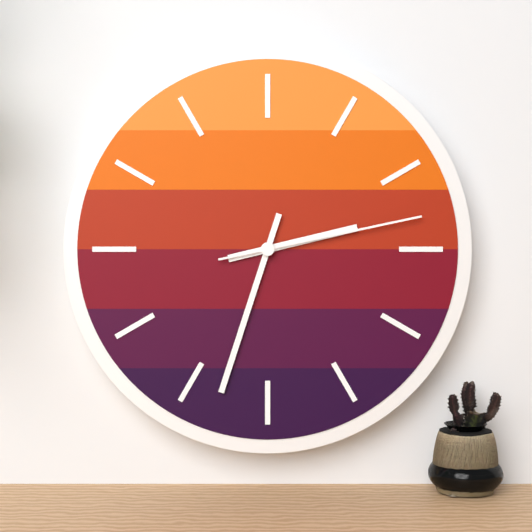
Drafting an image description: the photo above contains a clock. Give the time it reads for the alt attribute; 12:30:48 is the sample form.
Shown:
2:33:13
